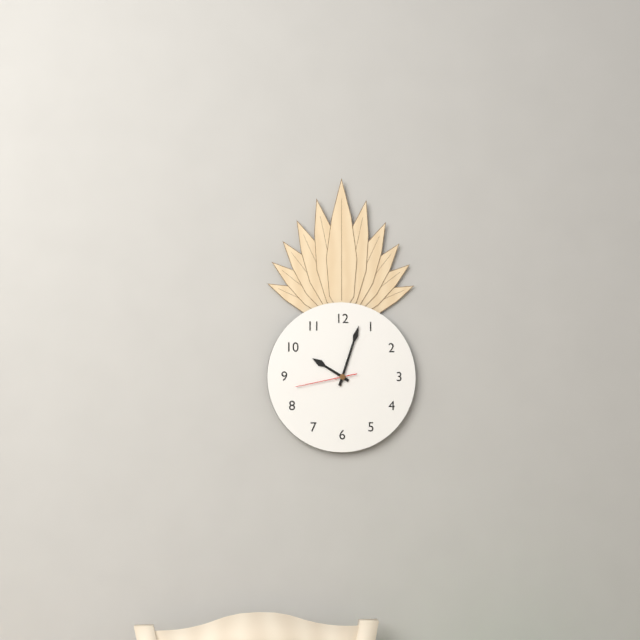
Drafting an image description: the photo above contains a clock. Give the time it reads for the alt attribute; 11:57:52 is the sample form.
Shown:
10:03:43
